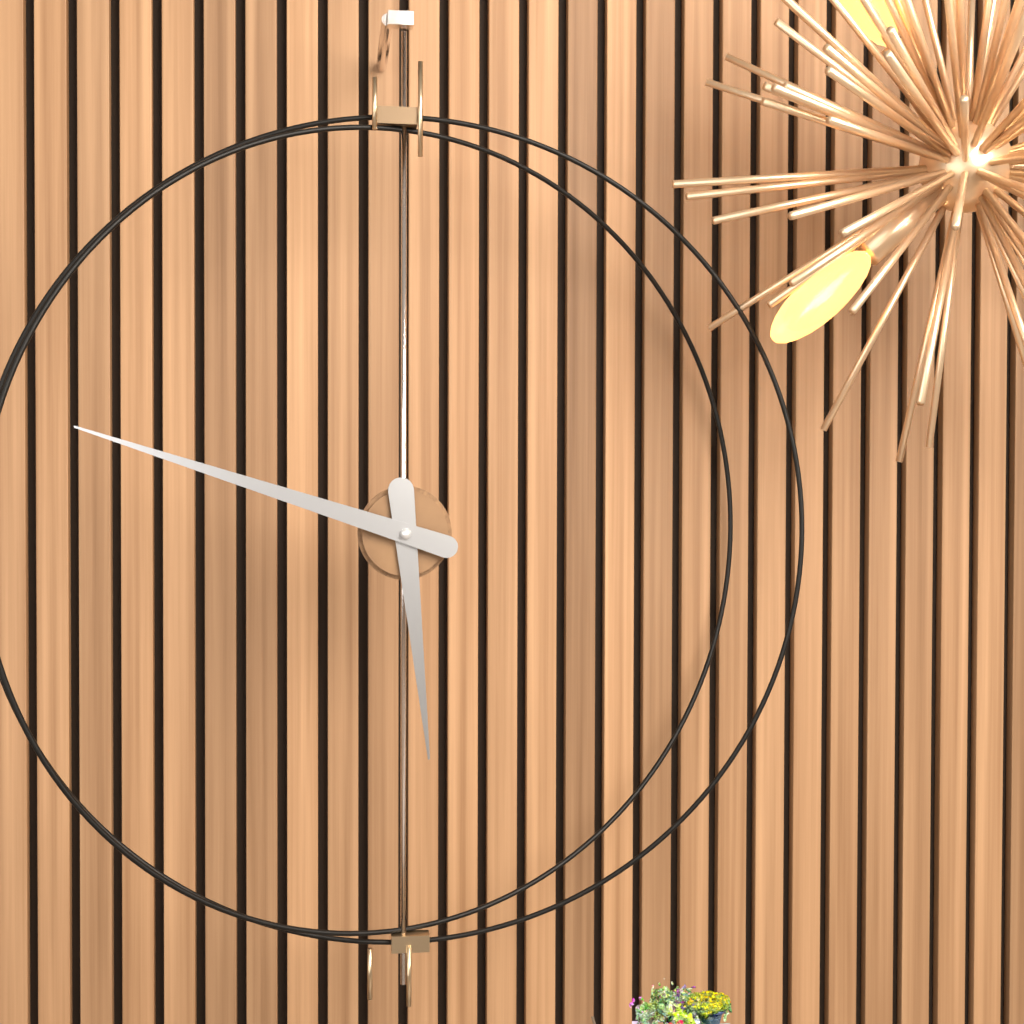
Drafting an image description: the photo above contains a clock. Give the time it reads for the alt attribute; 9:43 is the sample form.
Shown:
5:48
